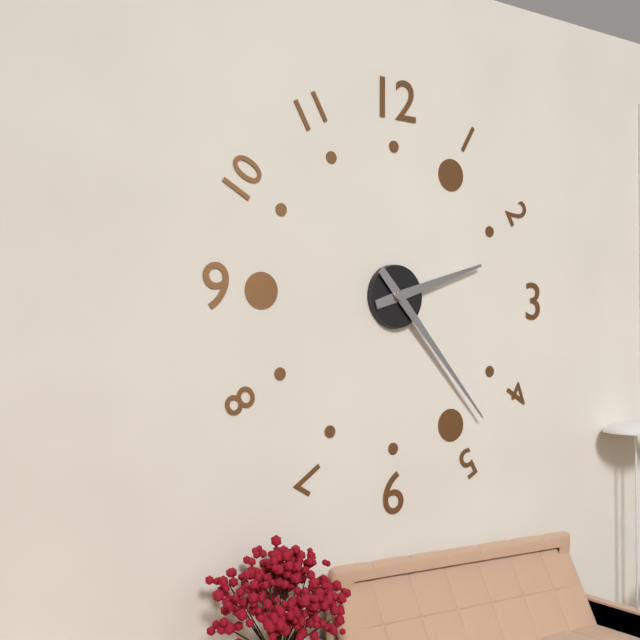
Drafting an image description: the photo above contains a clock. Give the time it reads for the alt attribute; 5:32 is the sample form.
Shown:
2:23
